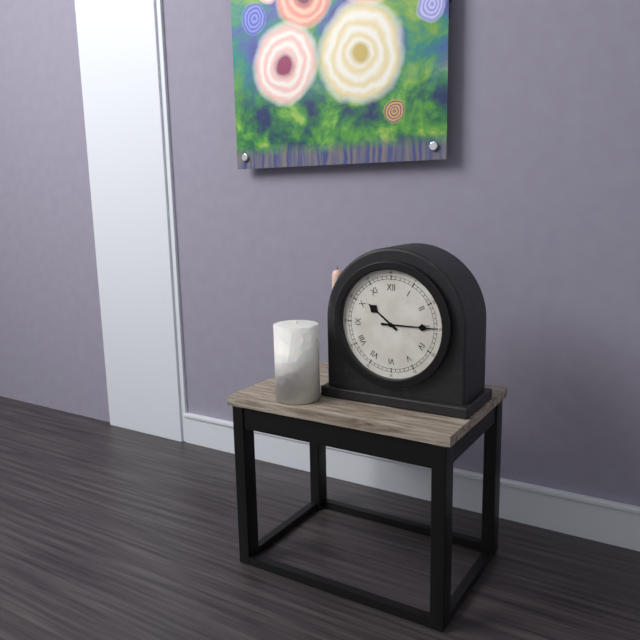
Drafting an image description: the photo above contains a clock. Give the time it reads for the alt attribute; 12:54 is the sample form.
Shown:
10:15
